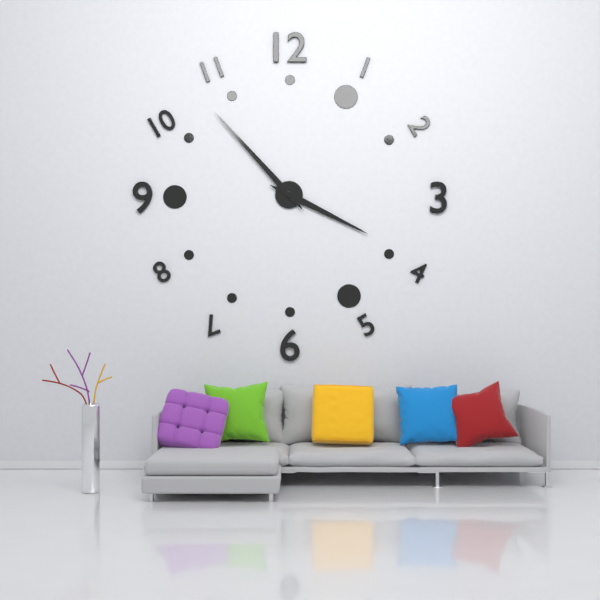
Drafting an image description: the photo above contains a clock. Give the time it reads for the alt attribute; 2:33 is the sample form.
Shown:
3:53
